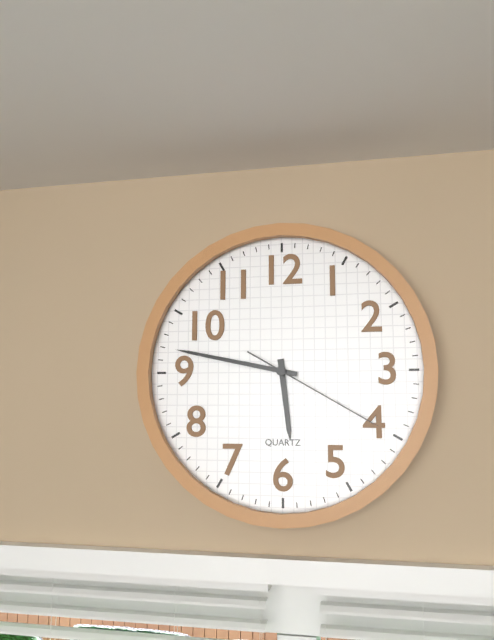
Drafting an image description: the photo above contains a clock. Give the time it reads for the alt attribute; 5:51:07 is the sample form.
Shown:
5:47:20
